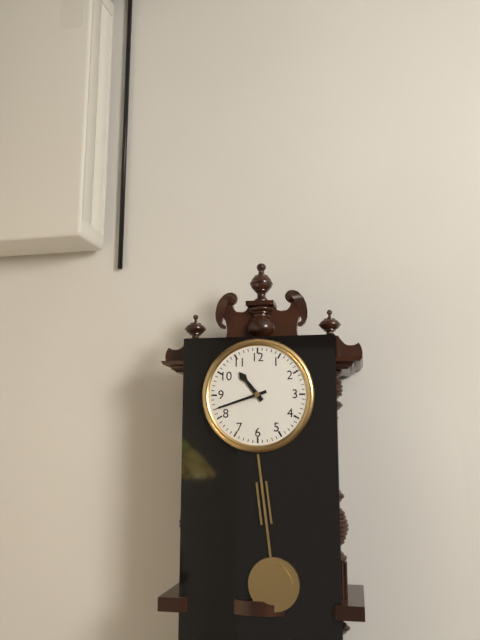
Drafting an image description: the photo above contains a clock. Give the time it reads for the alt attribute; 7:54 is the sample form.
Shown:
10:42
